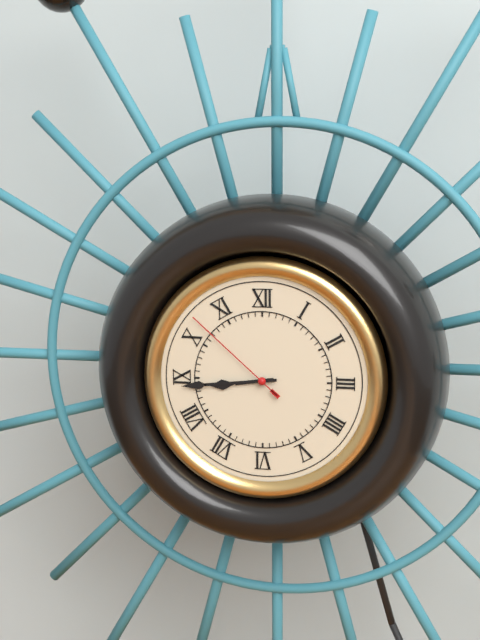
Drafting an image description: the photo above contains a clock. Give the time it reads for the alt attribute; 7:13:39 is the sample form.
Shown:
8:44:52
